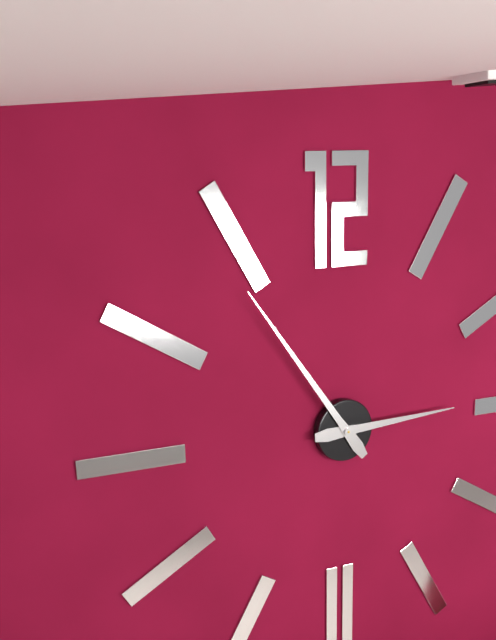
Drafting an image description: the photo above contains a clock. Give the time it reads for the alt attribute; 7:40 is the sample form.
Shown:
2:54
